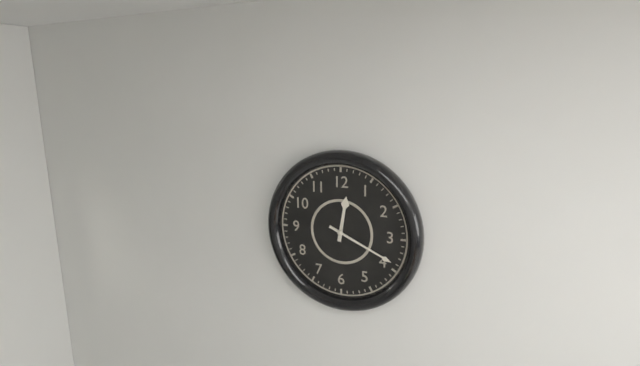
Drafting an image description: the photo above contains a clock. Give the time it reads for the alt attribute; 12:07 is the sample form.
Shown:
12:19
